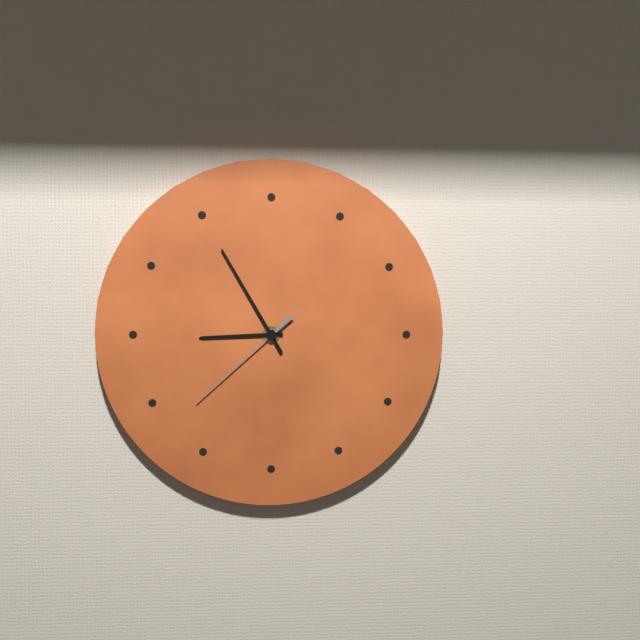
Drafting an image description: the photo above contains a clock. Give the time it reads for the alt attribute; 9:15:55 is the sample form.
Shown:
8:55:38
